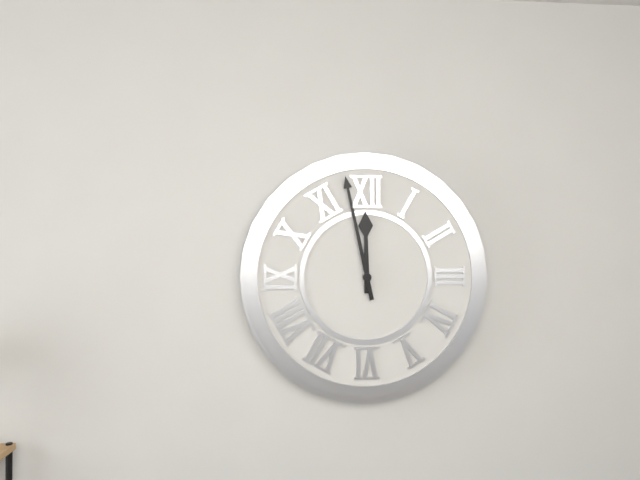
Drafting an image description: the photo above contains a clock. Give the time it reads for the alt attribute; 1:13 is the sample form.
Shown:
11:58
